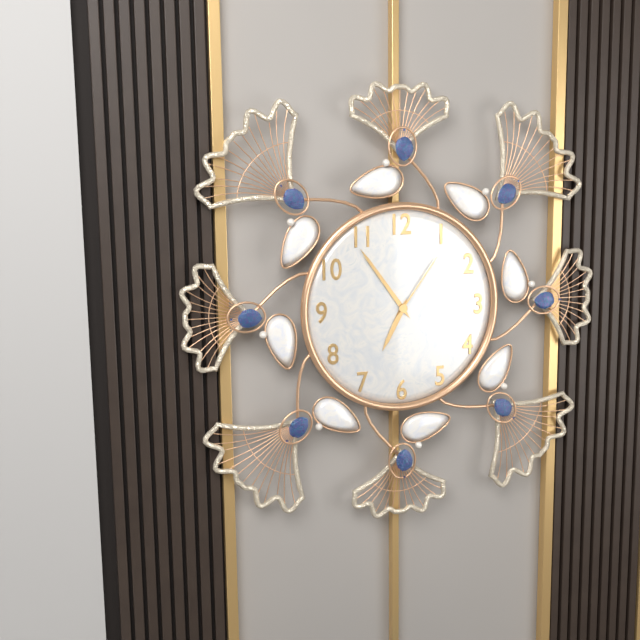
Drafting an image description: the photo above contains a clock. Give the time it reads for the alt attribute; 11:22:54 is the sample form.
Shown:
6:54:06
